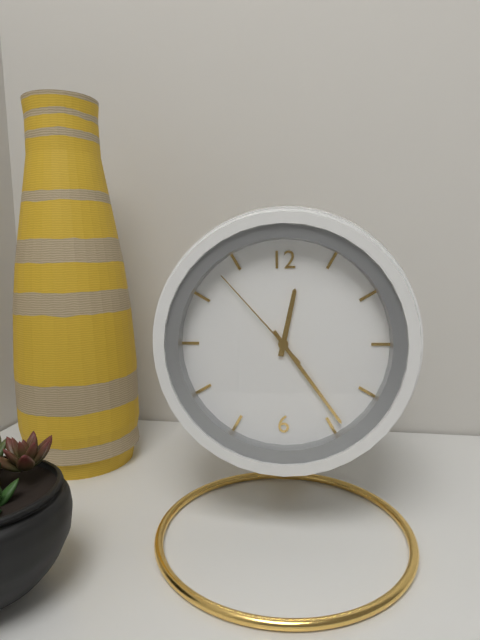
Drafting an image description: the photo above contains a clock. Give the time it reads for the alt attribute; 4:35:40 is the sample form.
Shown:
12:24:53
